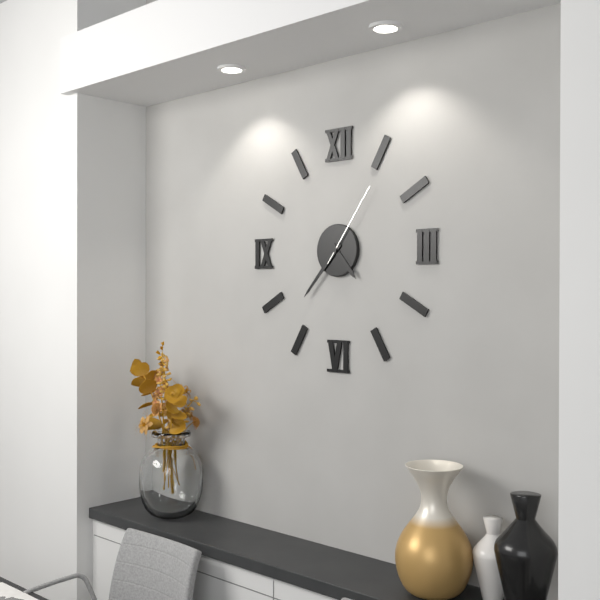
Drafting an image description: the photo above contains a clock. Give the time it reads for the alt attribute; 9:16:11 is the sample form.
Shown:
4:37:06
